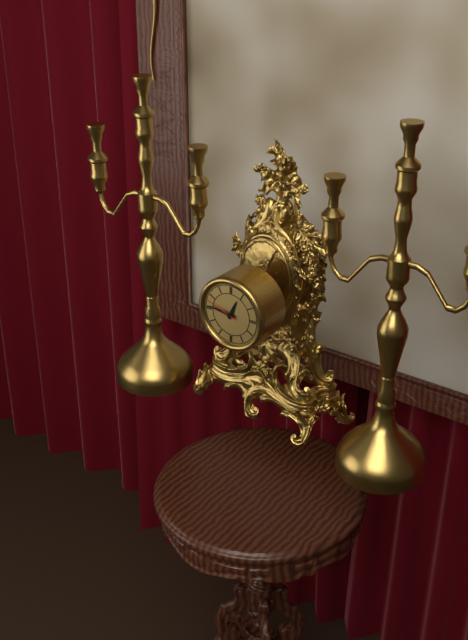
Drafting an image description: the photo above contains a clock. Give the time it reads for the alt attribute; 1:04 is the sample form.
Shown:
12:46
